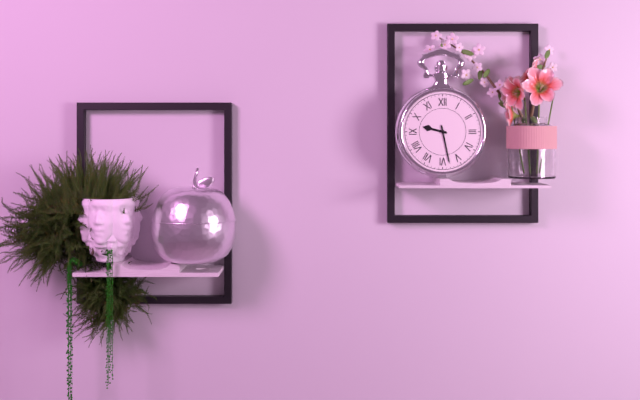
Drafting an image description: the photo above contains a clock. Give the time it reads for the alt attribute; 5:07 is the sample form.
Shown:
9:28
